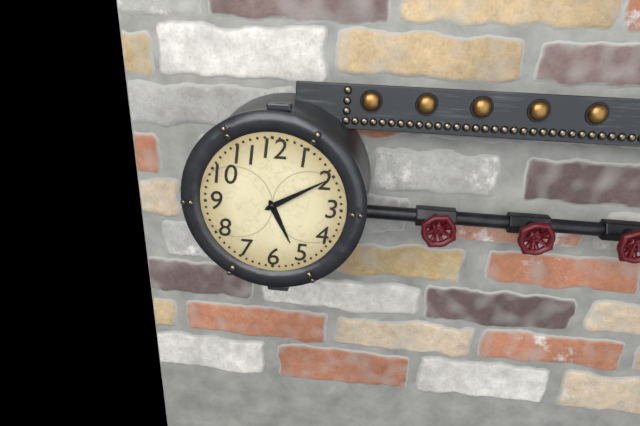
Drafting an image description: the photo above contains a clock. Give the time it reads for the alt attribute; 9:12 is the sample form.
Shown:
5:10
